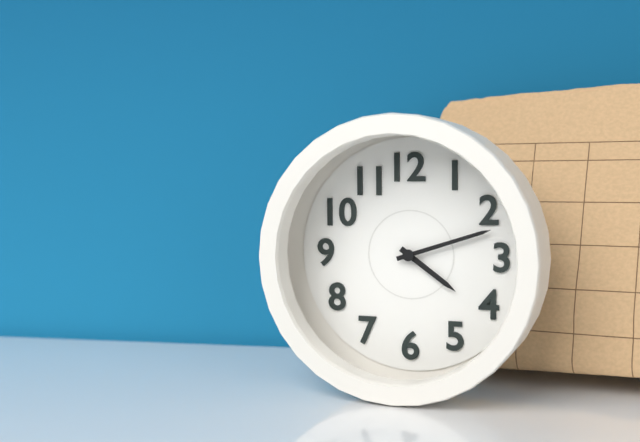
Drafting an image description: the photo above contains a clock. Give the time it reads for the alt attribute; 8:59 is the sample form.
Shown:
4:12
